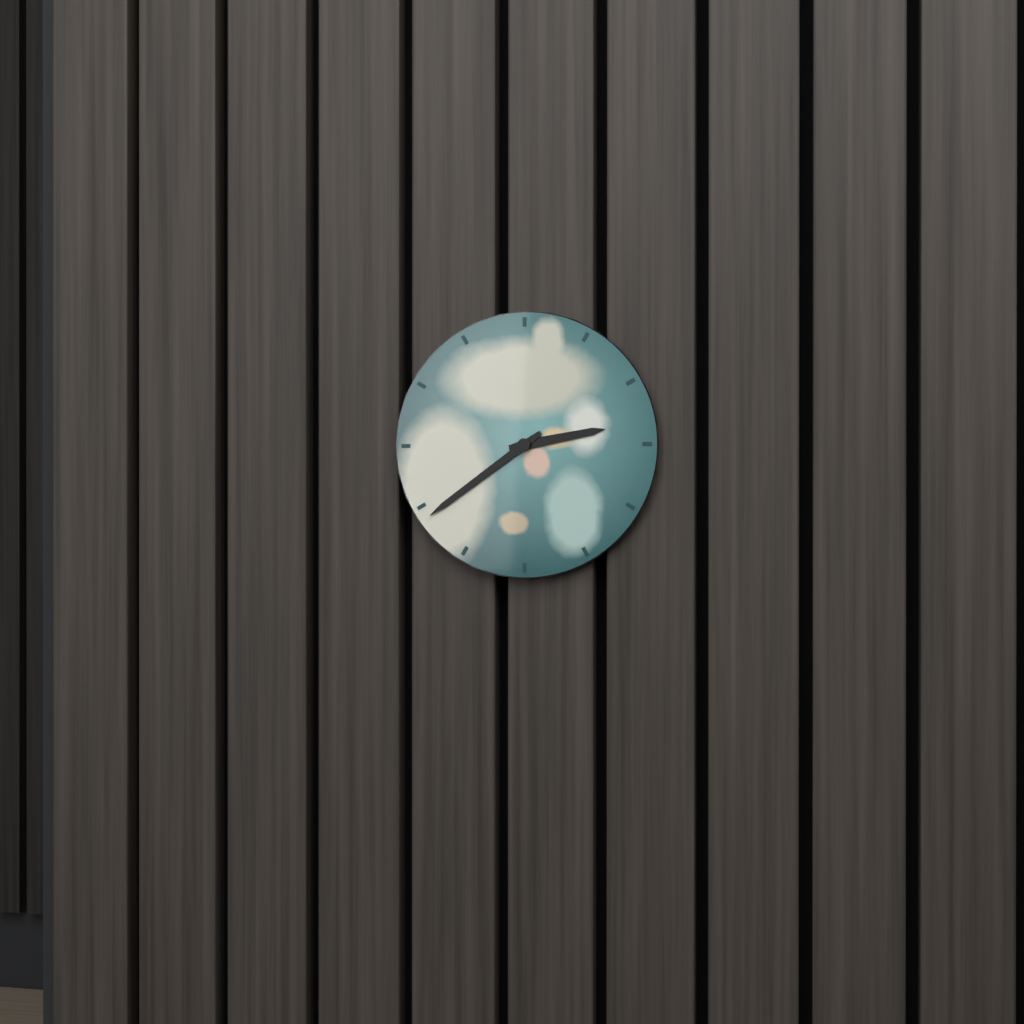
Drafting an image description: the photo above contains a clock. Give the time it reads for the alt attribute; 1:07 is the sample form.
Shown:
2:39
